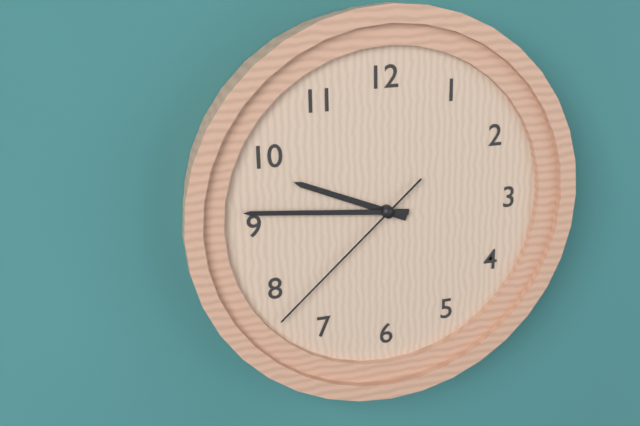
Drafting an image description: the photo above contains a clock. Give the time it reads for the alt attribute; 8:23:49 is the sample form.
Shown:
9:46:38
